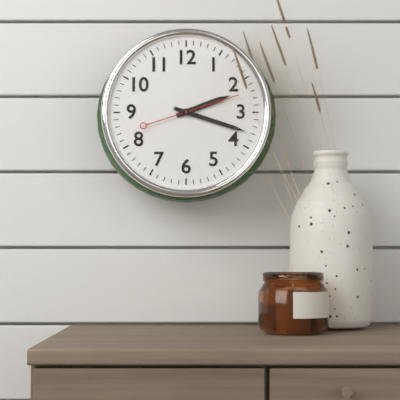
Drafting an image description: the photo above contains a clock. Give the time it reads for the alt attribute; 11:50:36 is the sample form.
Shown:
2:18:12
